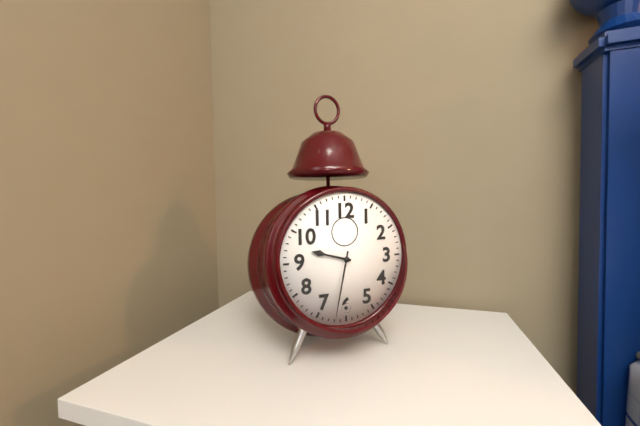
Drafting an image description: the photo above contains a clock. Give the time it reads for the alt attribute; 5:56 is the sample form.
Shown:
9:32
